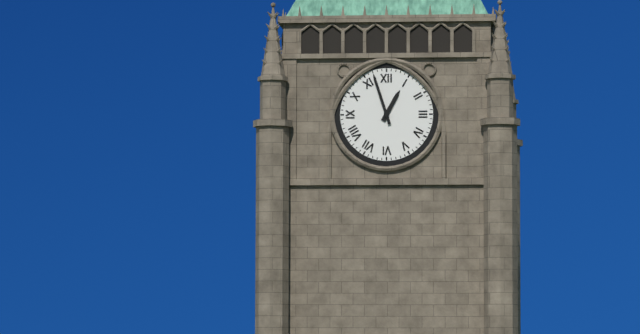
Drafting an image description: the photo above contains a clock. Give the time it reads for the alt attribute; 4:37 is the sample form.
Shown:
12:57
